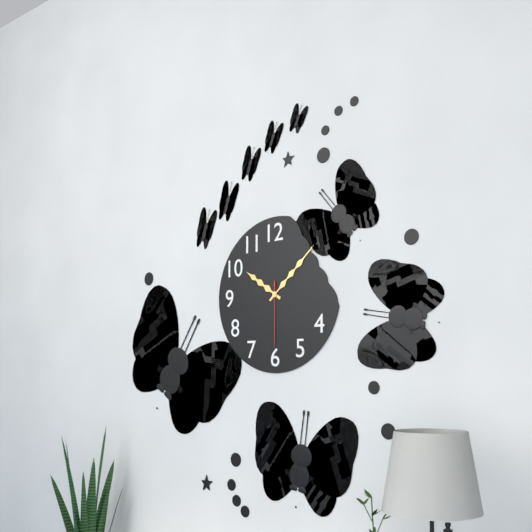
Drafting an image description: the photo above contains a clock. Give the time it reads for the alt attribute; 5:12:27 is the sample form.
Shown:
10:08:30
